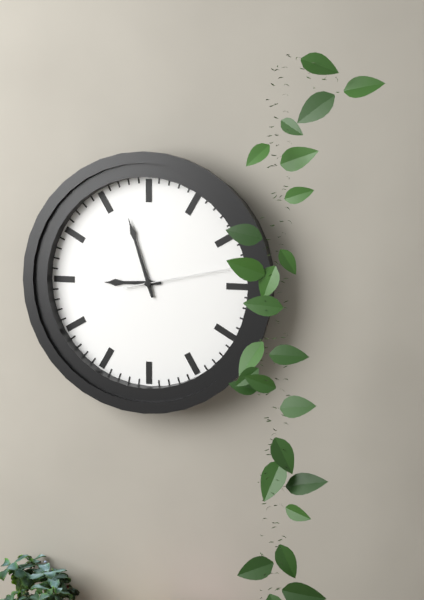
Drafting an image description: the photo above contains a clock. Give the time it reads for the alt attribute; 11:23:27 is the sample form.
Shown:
8:57:13
